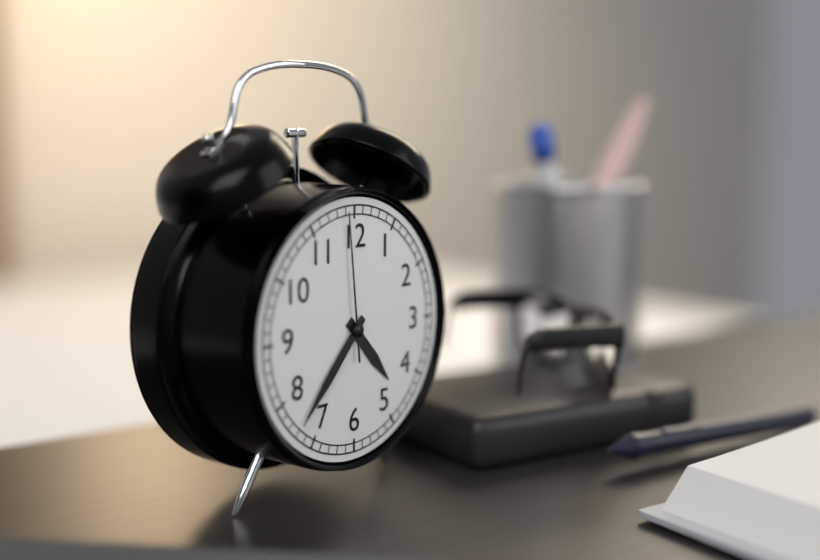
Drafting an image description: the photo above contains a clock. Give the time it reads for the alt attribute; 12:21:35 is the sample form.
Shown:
4:37:59
